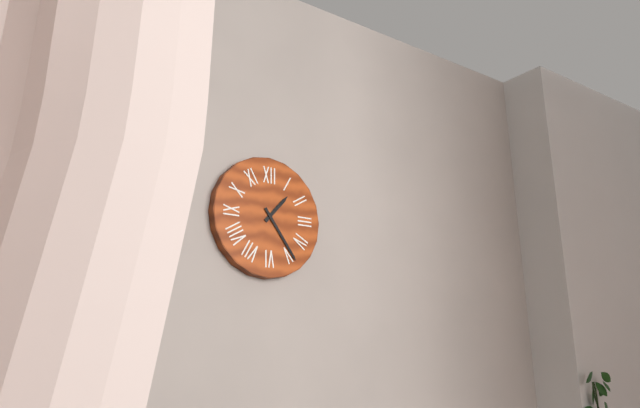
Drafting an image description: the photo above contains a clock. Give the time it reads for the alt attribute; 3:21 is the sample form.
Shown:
1:24
